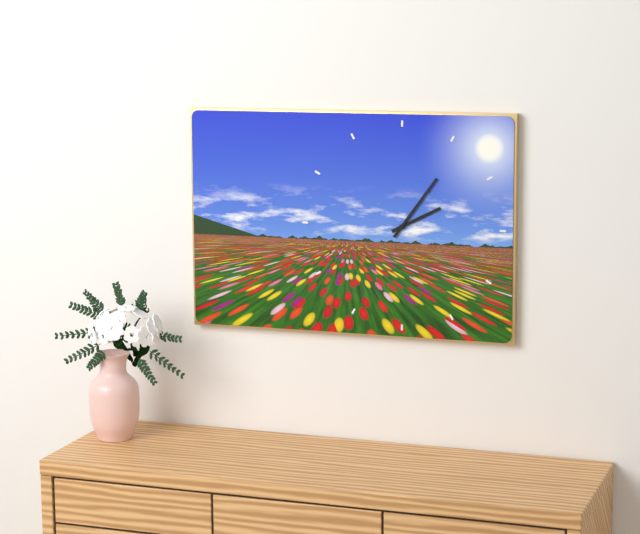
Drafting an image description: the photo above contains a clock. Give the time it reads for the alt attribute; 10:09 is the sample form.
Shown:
2:06
